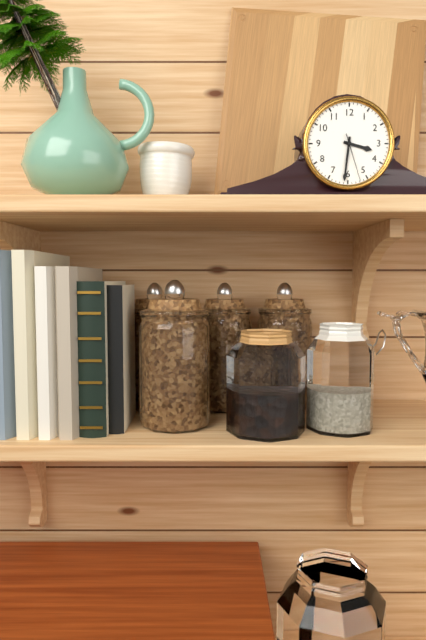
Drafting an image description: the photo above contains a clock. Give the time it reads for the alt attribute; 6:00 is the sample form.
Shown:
3:31
